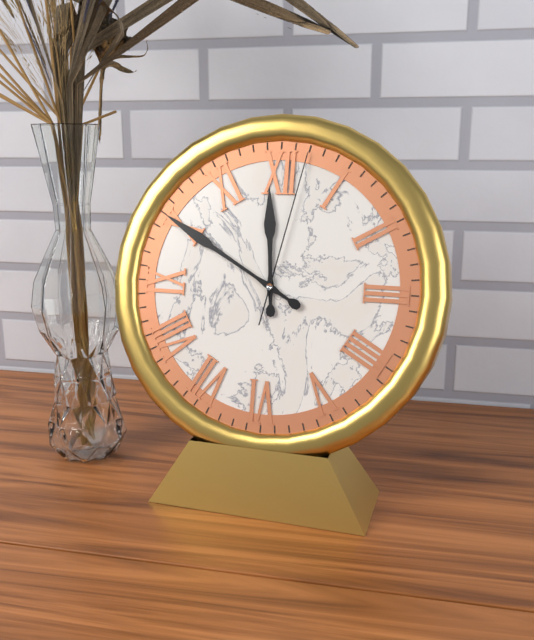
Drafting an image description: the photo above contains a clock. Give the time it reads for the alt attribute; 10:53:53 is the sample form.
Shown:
11:50:02
